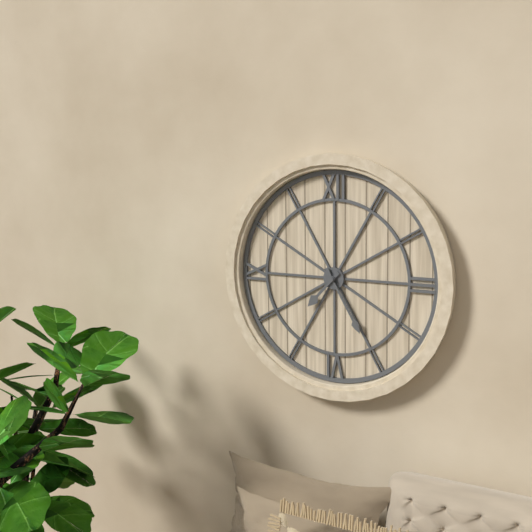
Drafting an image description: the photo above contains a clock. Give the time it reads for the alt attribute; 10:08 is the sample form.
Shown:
7:25
